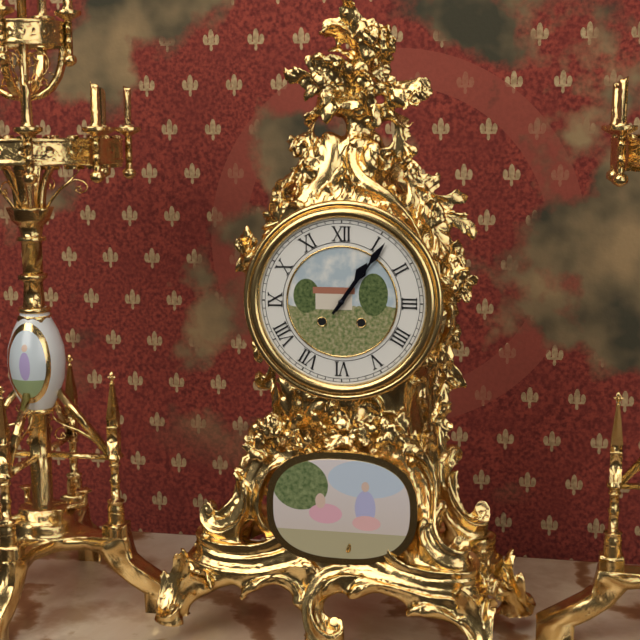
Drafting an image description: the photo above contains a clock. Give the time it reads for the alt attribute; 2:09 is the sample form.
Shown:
1:06
